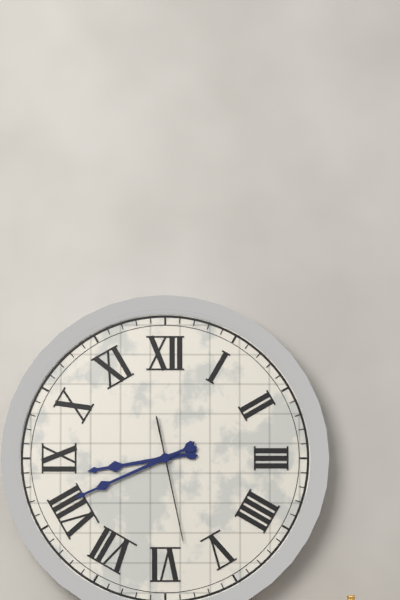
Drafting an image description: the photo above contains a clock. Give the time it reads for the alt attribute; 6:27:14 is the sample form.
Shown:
8:41:28
